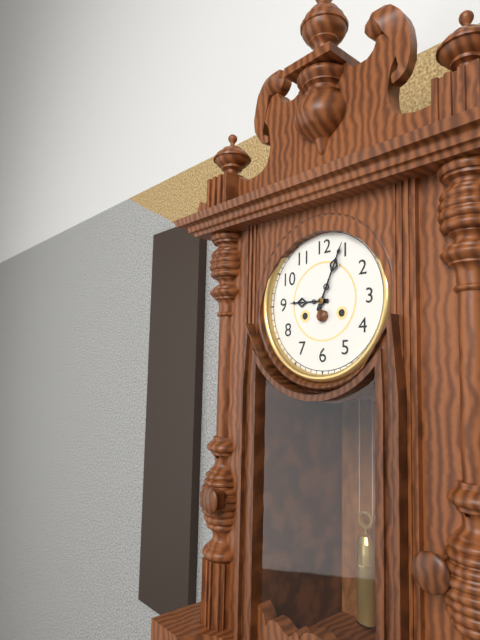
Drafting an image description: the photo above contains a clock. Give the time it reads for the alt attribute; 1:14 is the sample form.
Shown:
9:04
